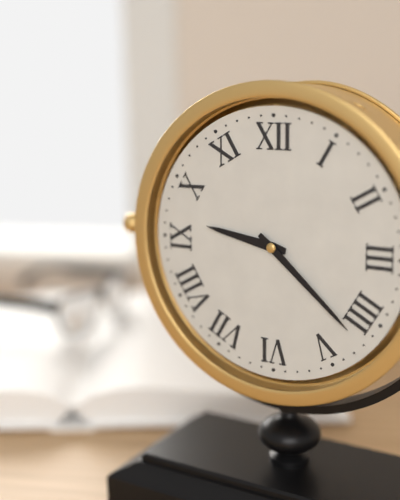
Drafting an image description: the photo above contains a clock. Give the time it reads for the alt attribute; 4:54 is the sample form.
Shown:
9:22
